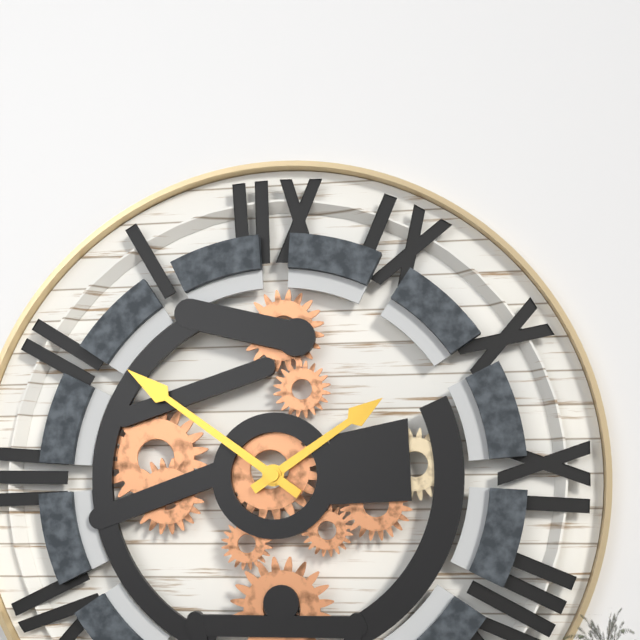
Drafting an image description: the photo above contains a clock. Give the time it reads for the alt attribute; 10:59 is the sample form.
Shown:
1:51
